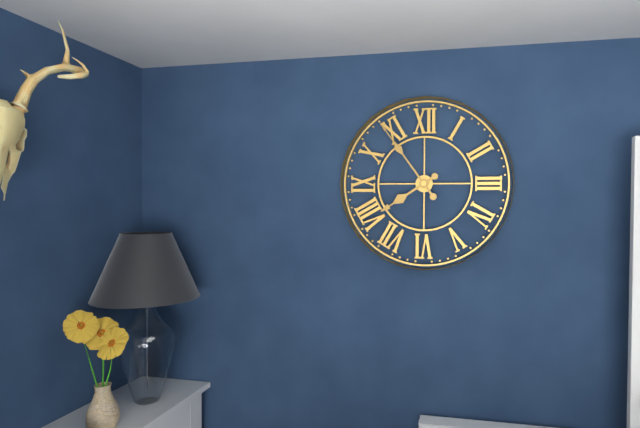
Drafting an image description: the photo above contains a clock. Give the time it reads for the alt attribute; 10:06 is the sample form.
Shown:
7:54
